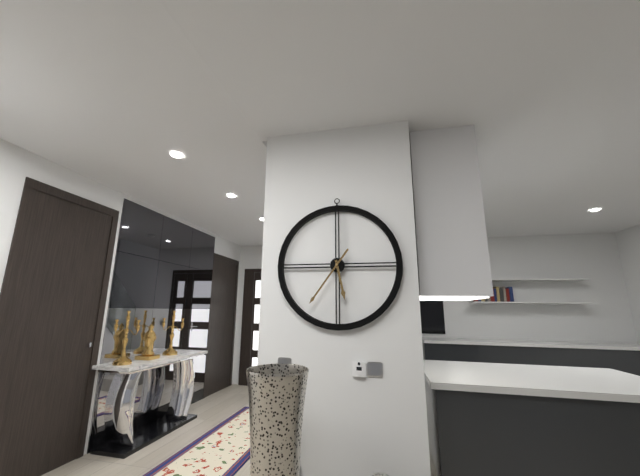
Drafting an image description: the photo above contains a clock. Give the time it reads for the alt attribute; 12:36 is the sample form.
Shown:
5:36
